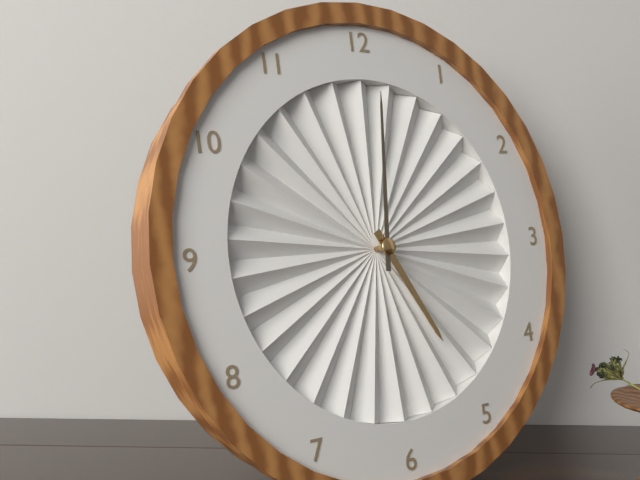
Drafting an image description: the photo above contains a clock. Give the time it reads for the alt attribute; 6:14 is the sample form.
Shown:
5:01
